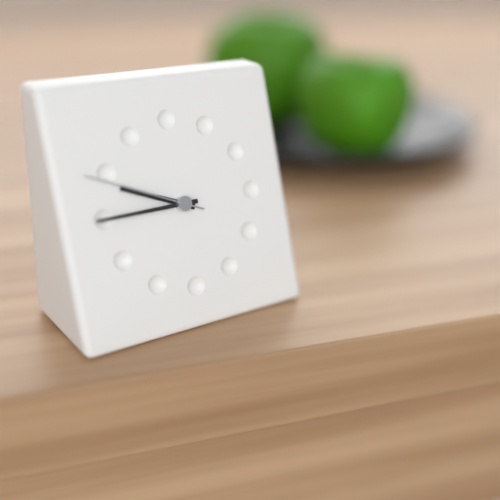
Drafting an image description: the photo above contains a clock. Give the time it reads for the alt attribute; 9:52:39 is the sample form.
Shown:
9:45:49
